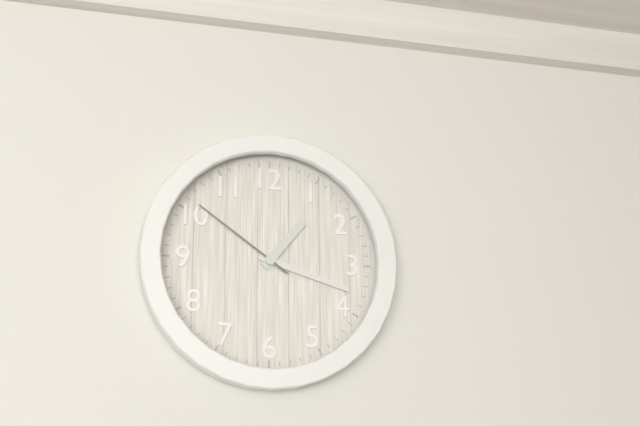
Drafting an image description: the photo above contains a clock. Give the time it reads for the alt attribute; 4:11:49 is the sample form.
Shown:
1:18:51
